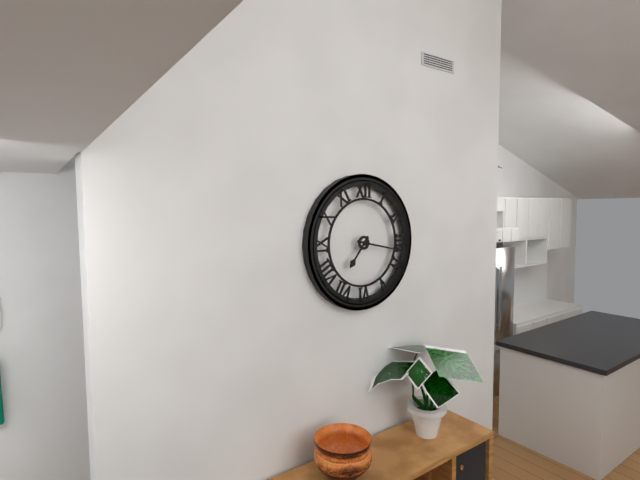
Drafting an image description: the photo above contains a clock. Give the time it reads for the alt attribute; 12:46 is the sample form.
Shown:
7:17
